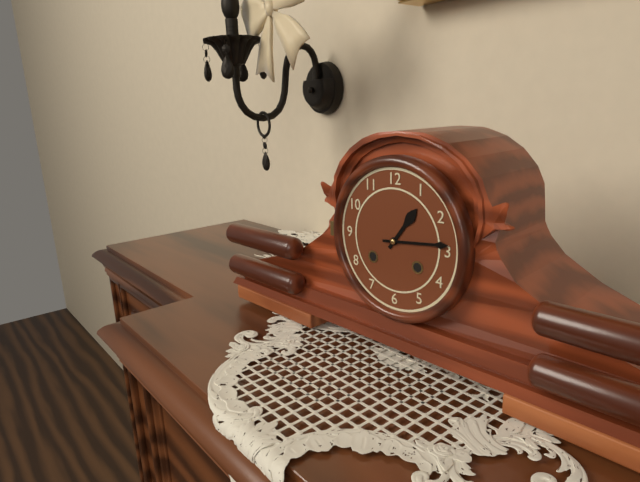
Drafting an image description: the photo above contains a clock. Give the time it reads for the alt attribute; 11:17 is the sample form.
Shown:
1:14
